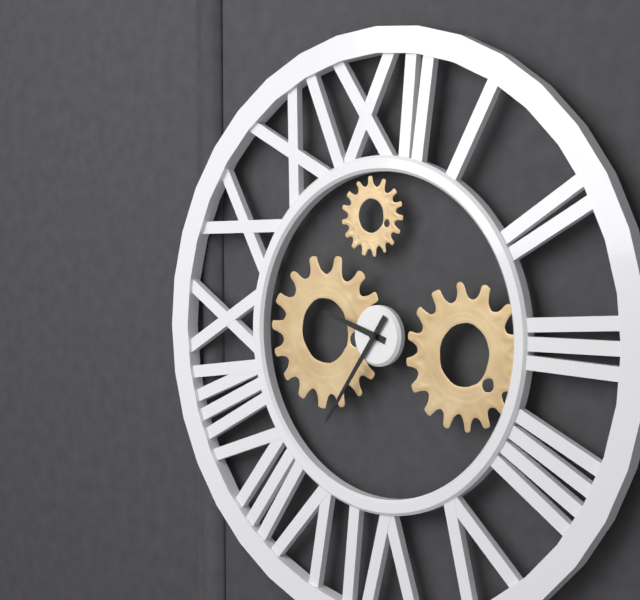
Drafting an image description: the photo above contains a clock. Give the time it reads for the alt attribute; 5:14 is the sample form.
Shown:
9:36
